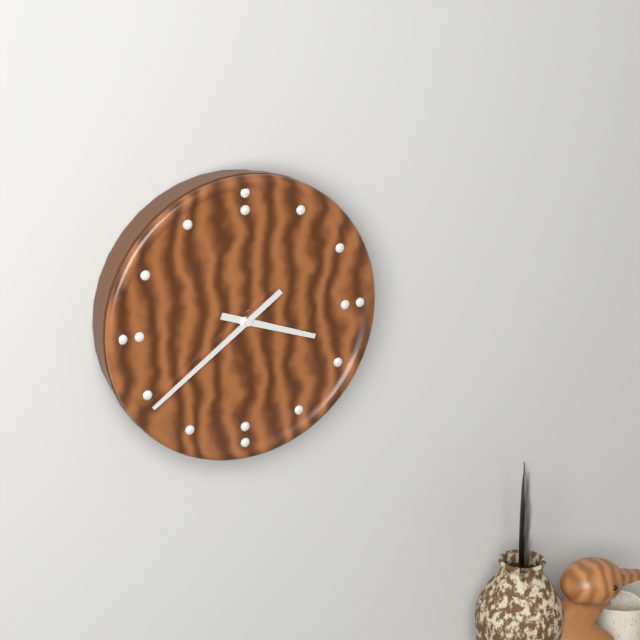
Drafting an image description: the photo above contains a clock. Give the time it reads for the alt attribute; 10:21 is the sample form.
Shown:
3:39
